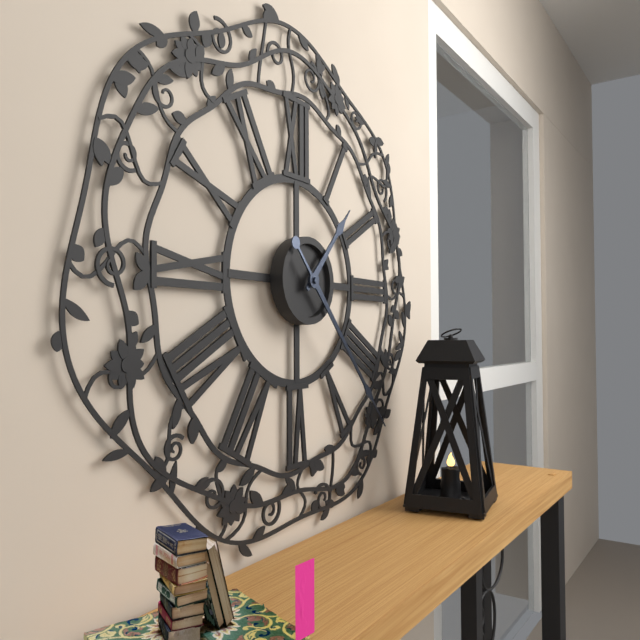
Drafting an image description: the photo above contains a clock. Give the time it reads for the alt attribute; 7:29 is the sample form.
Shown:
1:23
